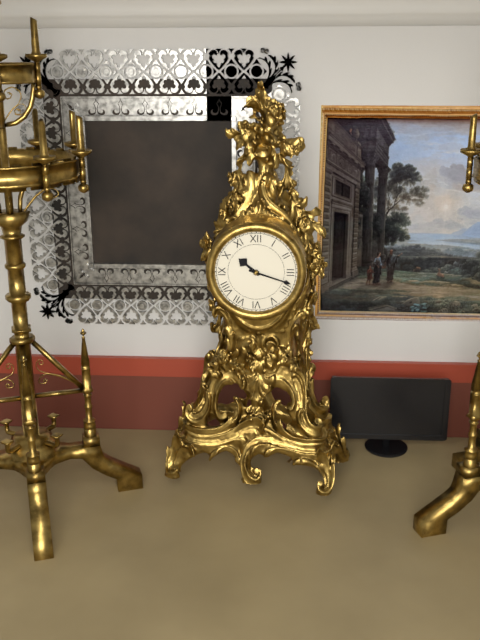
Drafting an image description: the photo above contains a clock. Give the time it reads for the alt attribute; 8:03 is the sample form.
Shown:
10:18
